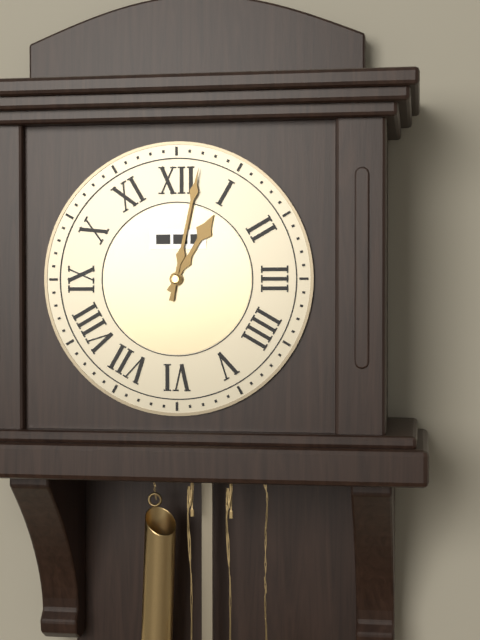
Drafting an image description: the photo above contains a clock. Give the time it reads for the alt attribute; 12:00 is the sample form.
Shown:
1:02
